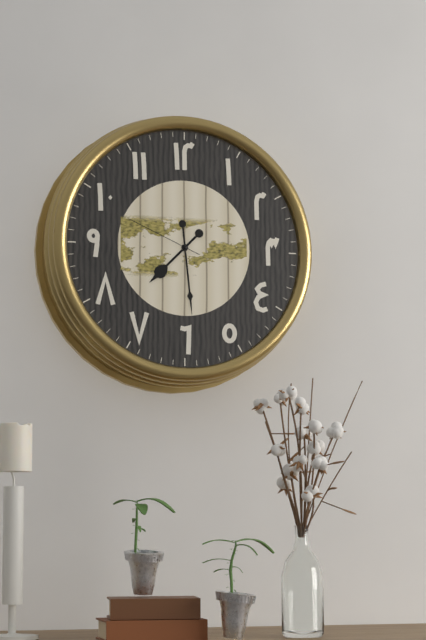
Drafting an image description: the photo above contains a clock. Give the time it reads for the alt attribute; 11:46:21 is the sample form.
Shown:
7:29:49
